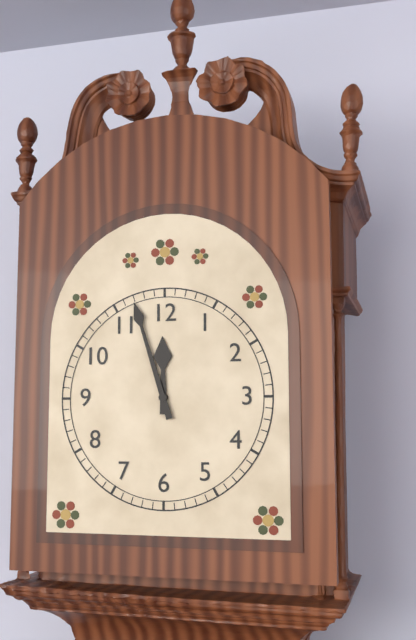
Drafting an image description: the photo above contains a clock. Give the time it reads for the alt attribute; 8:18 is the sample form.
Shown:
11:57
